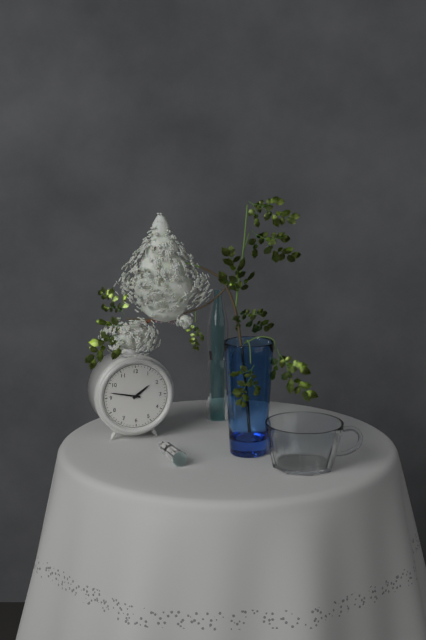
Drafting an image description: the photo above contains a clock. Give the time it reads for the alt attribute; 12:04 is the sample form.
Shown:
1:47
